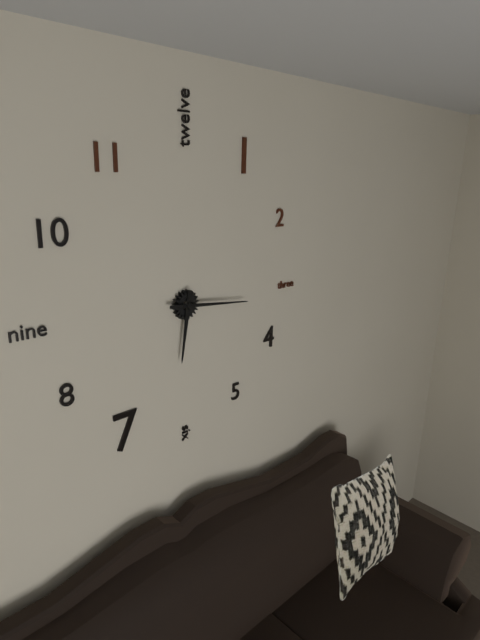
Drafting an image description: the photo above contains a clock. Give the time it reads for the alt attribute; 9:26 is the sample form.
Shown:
6:16
